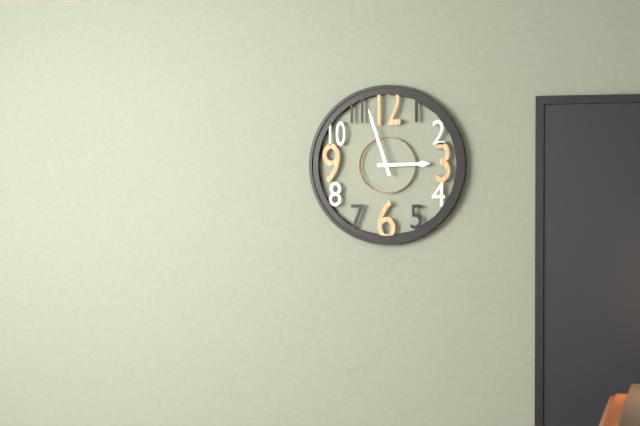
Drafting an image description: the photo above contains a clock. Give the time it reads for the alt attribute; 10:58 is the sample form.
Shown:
2:57
